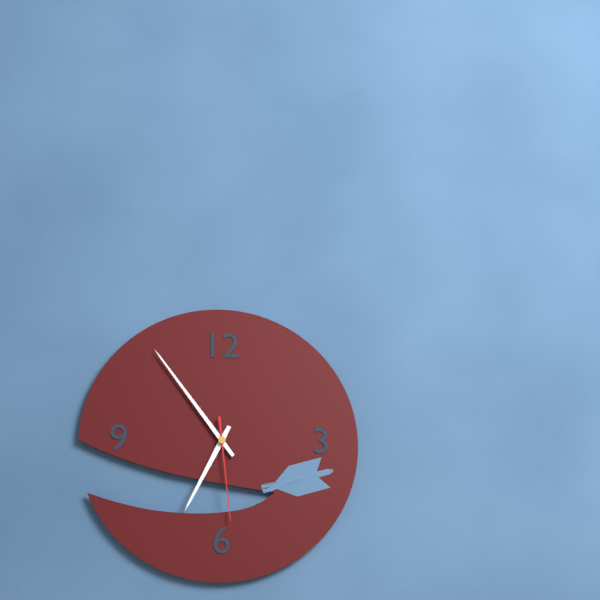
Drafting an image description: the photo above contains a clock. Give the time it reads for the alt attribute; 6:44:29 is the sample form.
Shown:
6:54:29
